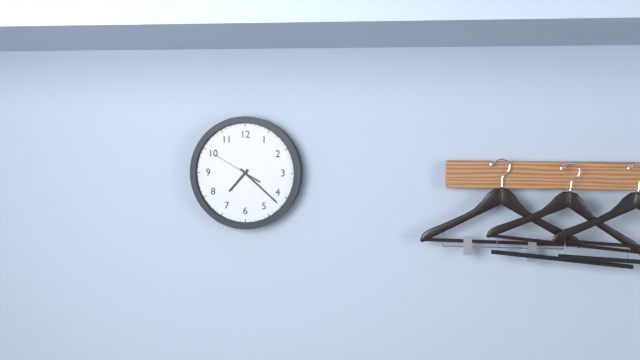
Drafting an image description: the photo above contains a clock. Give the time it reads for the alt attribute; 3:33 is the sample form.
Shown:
7:22
